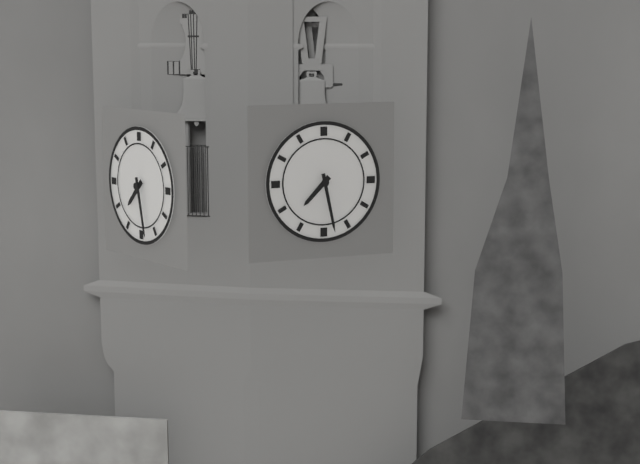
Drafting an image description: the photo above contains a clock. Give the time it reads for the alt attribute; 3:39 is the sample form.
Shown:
7:28
